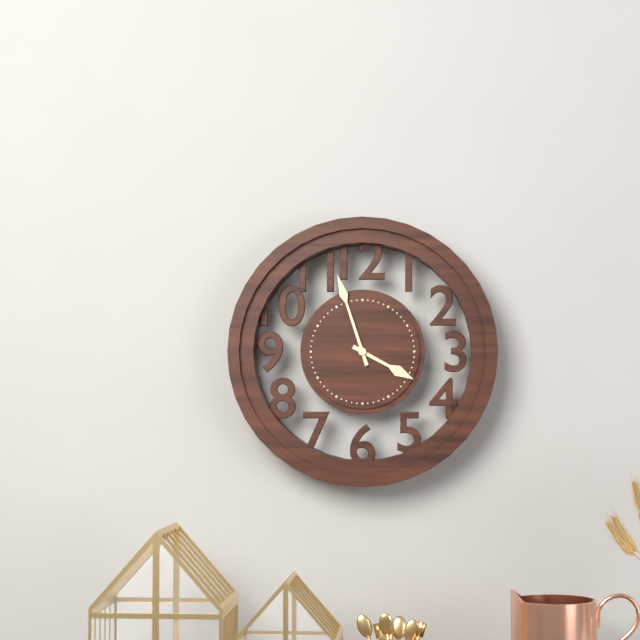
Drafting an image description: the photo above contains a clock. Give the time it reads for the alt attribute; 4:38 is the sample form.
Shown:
3:57
